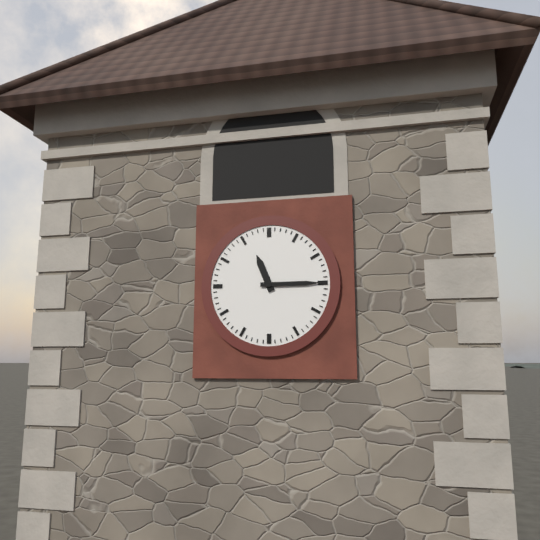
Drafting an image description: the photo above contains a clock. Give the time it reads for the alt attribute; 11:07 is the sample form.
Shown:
11:15
